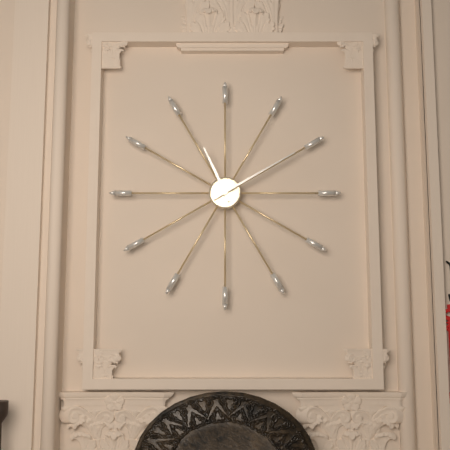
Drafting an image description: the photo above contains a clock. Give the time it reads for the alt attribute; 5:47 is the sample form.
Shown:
11:10
